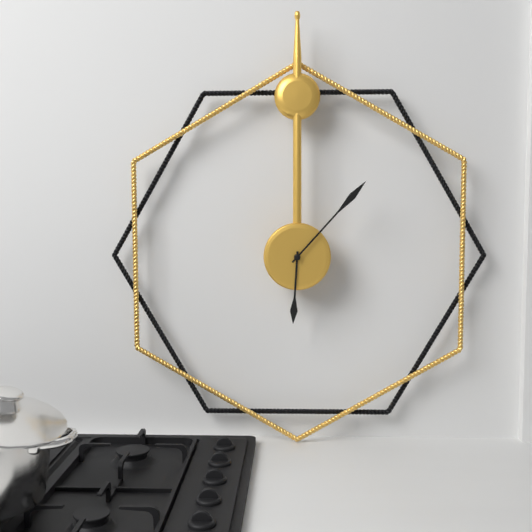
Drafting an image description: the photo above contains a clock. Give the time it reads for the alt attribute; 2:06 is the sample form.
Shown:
6:07
